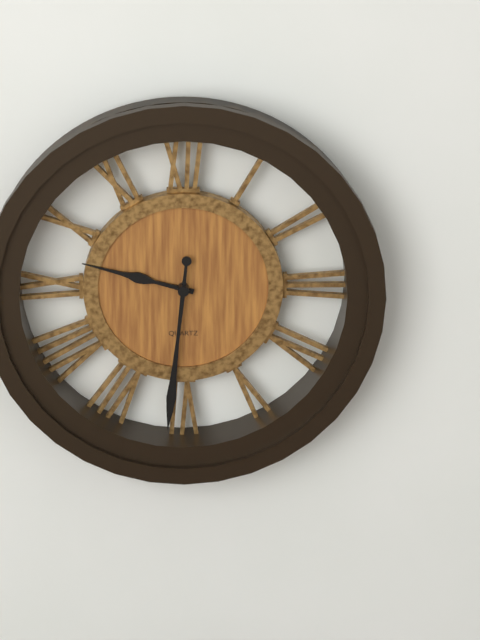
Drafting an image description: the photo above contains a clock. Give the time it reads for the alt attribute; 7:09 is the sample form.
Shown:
9:31
